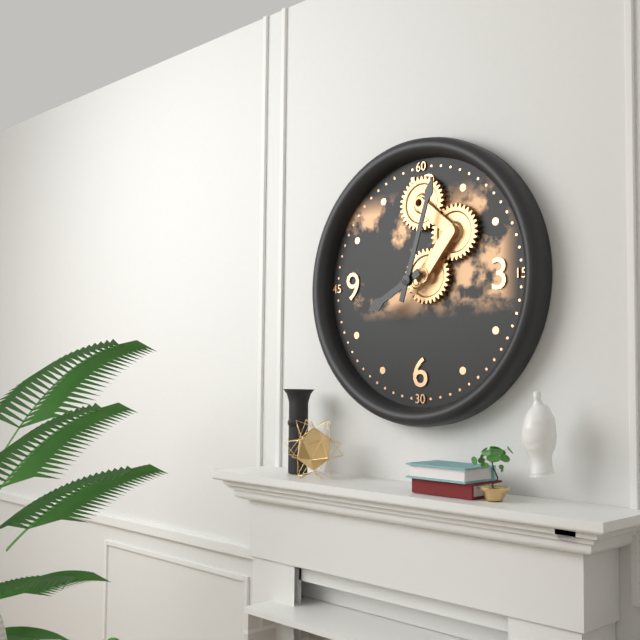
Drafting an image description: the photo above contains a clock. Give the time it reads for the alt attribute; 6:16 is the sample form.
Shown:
8:03
